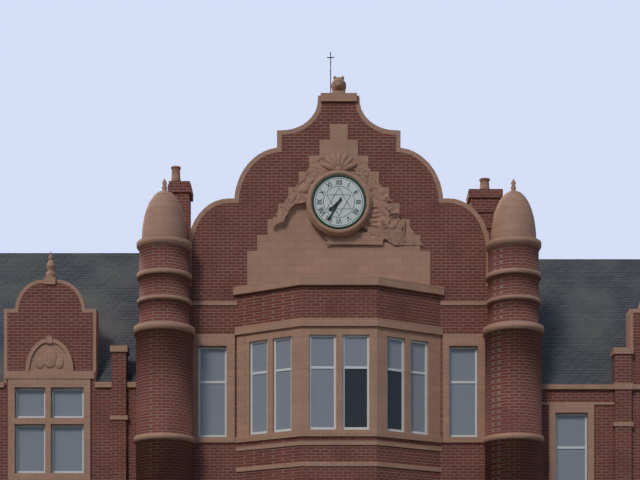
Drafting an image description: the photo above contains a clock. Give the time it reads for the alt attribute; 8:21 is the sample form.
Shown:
7:35
